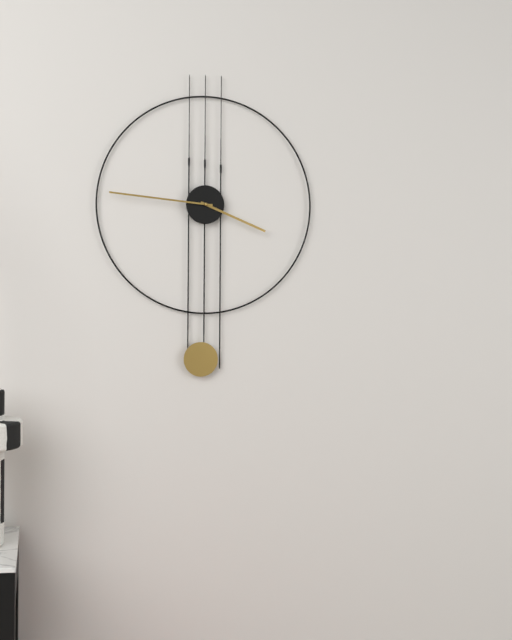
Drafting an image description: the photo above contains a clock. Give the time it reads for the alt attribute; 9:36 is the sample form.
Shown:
3:46
